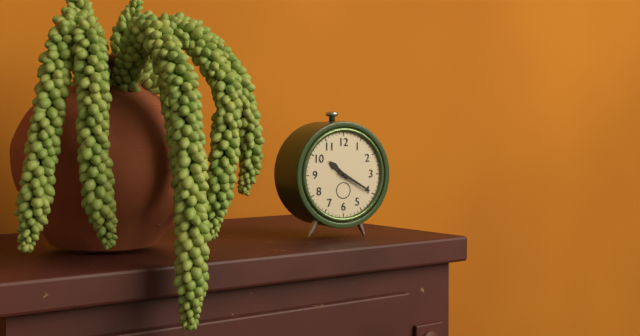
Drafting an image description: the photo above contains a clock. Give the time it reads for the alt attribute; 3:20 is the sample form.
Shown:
10:20
